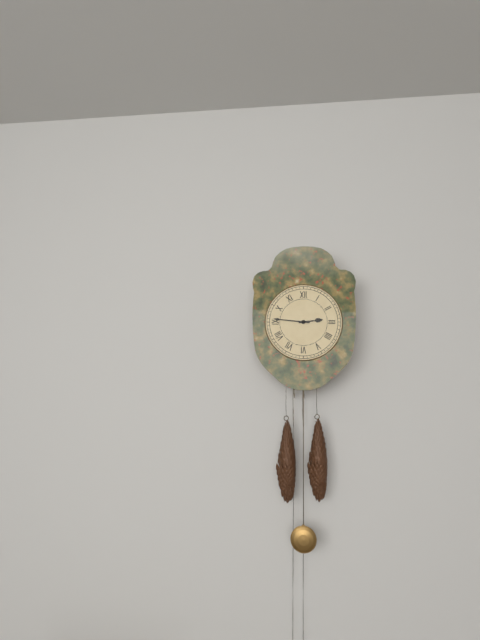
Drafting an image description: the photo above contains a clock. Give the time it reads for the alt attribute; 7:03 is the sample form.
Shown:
2:46
